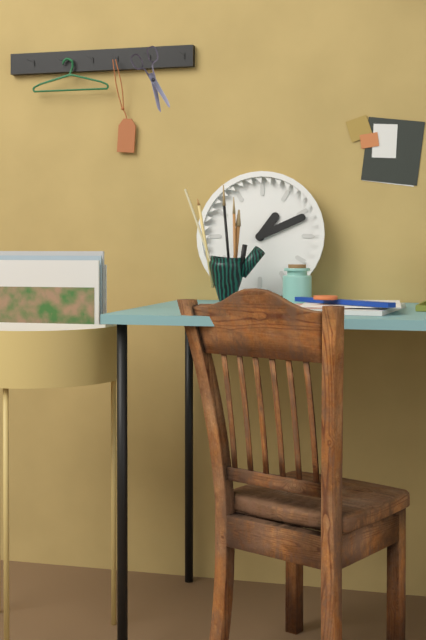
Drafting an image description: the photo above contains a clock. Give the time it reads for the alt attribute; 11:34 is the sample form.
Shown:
1:11
